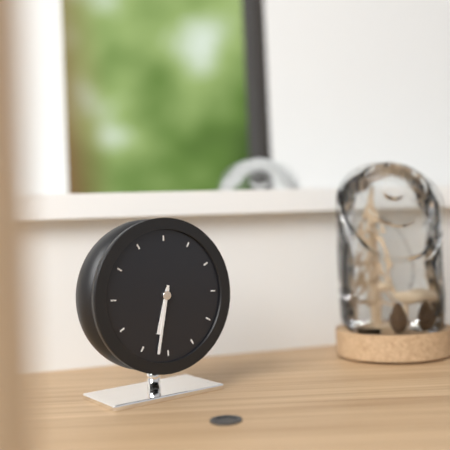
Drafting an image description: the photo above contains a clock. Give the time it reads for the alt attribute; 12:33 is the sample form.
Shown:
6:32
